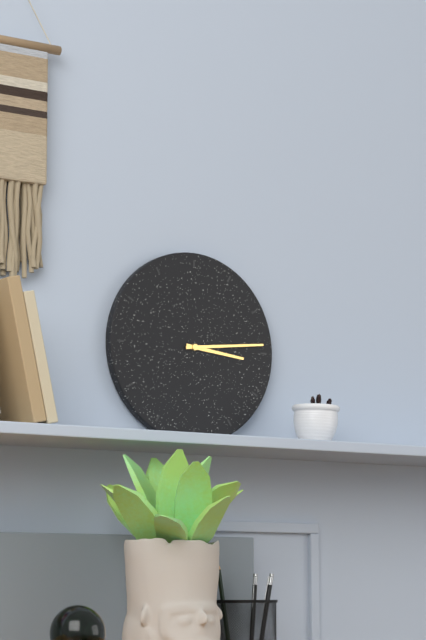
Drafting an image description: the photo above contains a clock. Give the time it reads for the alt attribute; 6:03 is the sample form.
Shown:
3:14
